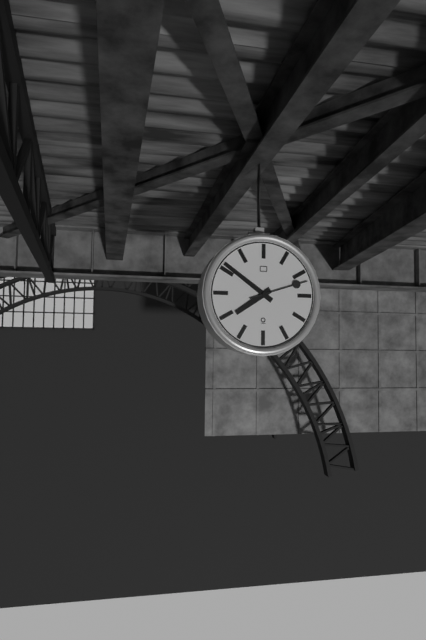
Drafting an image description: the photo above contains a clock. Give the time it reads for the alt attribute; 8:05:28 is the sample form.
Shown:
7:51:12
